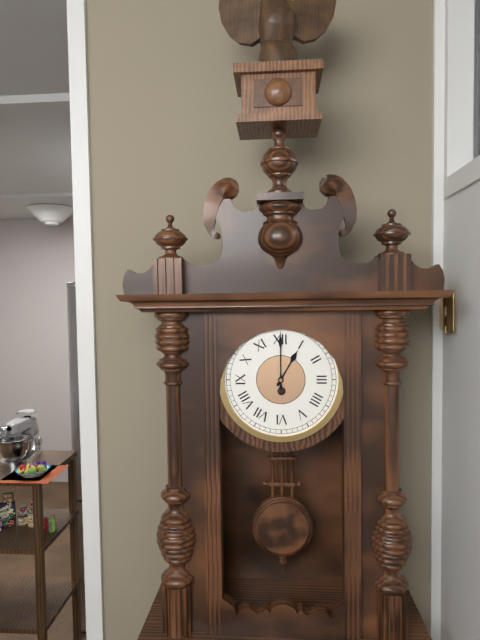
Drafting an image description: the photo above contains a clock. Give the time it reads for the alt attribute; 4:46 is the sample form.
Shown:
1:00
